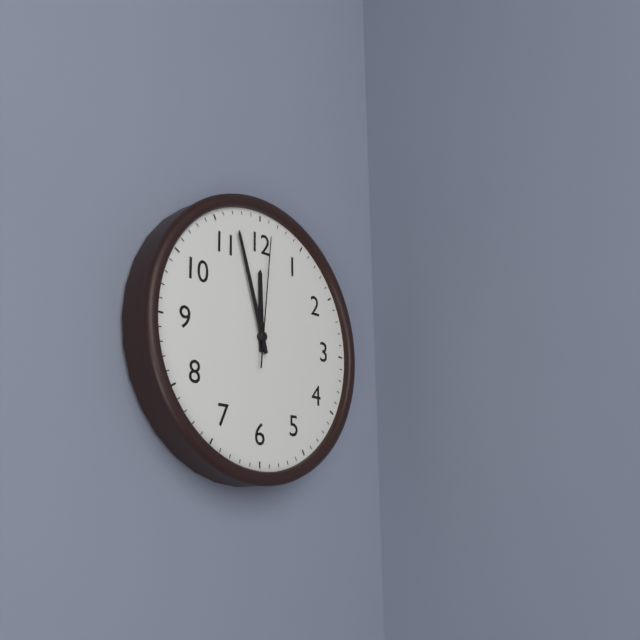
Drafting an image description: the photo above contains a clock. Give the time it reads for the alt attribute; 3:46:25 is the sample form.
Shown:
11:57:01
